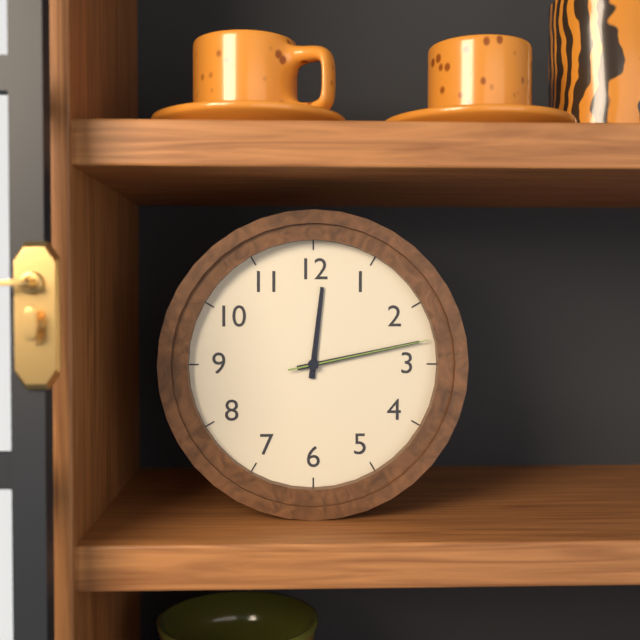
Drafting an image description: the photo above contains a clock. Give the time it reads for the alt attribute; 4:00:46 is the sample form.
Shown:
12:13:13
